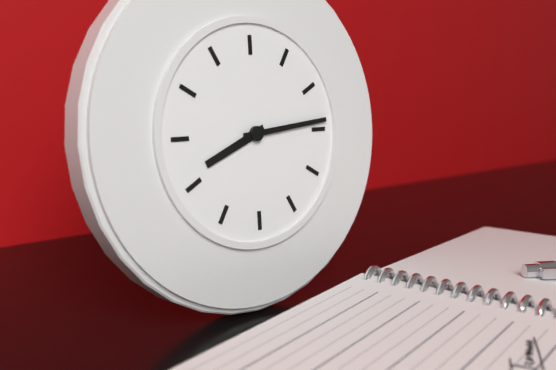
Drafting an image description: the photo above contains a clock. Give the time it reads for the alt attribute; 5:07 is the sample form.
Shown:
8:14
